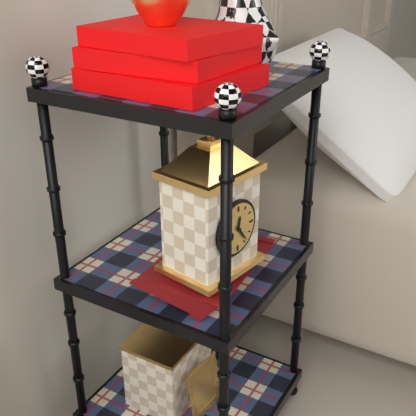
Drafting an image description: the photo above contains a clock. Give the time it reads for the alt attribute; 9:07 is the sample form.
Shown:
12:24
